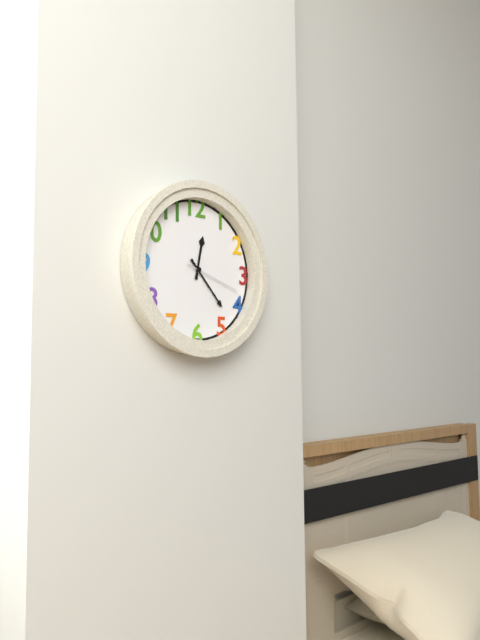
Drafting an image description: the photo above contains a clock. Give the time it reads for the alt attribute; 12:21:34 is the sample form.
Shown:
12:23:18
